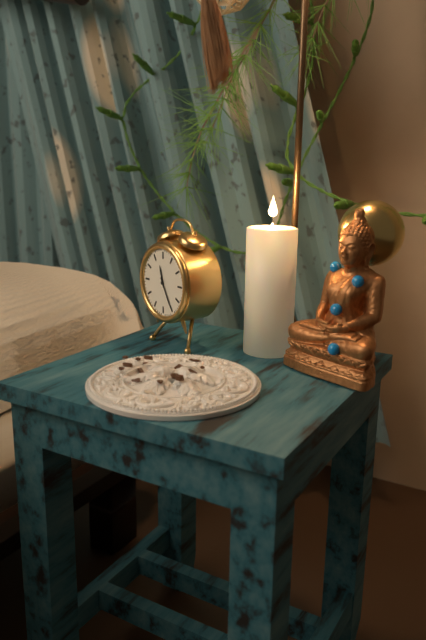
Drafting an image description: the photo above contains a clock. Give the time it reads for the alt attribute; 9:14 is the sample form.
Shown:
11:25
